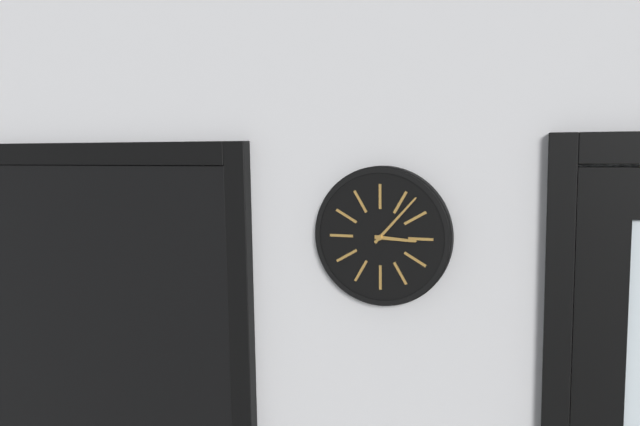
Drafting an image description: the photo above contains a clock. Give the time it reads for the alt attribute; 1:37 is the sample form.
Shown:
3:07
